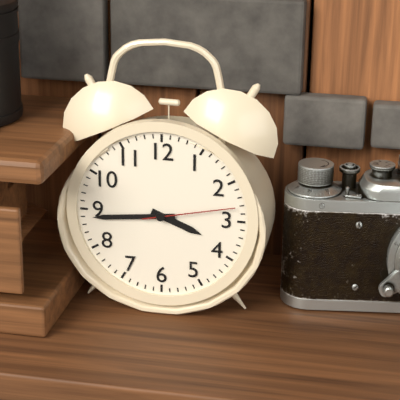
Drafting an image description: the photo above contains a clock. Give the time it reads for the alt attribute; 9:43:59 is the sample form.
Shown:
3:44:13
